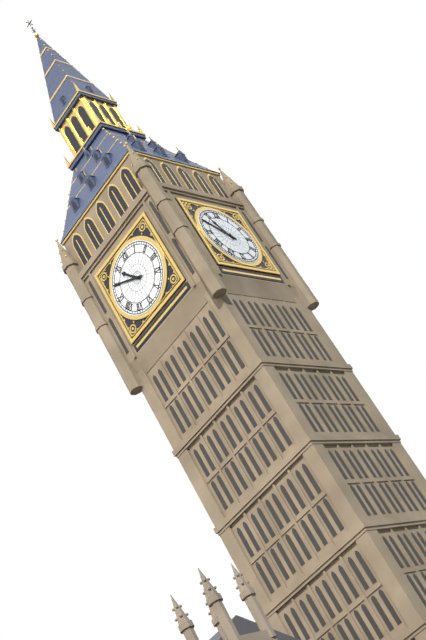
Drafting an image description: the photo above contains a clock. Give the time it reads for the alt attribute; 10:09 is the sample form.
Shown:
10:50
